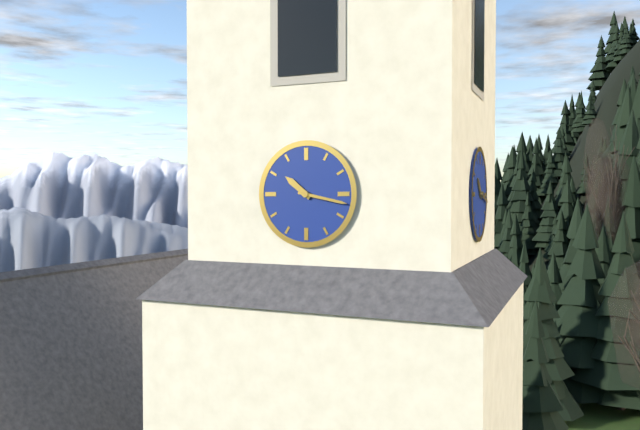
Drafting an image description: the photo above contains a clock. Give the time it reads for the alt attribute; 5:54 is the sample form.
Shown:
10:17
